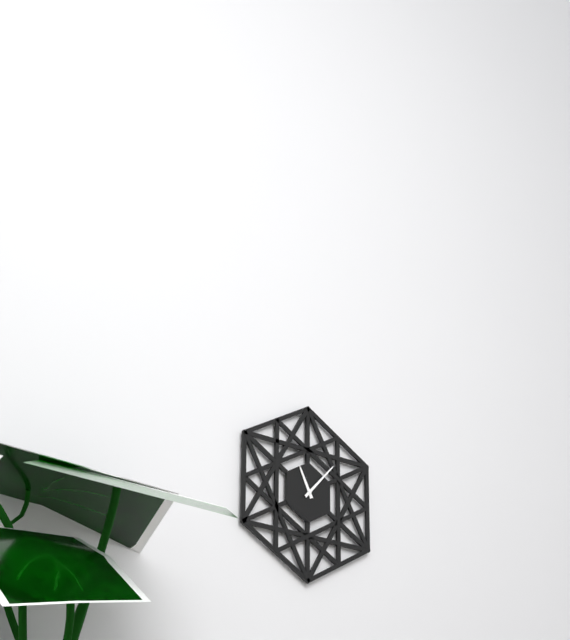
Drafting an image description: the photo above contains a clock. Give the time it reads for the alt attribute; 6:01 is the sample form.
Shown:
11:07
